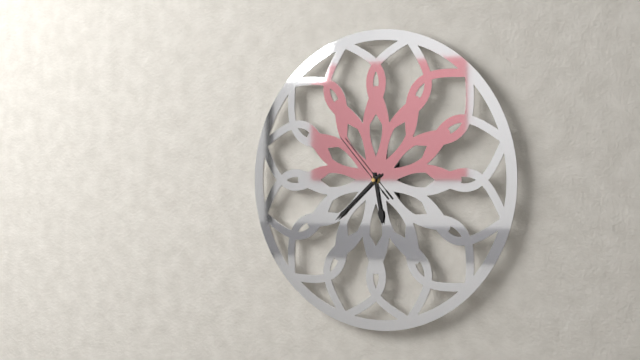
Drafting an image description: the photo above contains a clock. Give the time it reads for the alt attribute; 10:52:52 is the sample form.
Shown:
5:38:53
